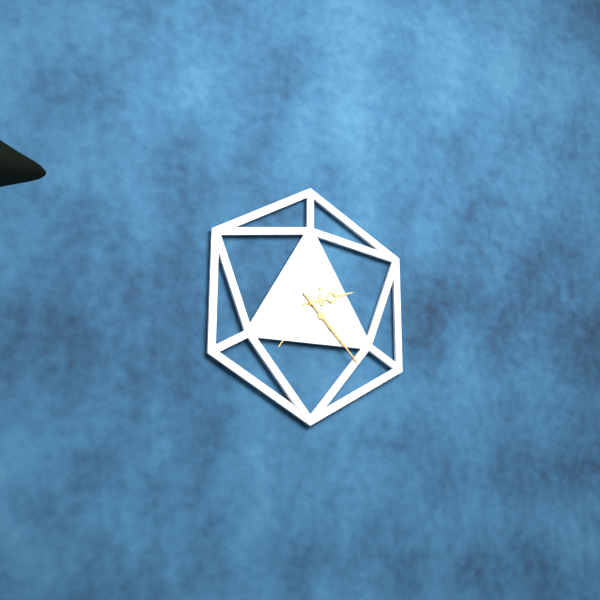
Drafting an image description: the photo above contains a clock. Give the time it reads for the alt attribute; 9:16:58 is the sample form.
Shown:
2:23:36
